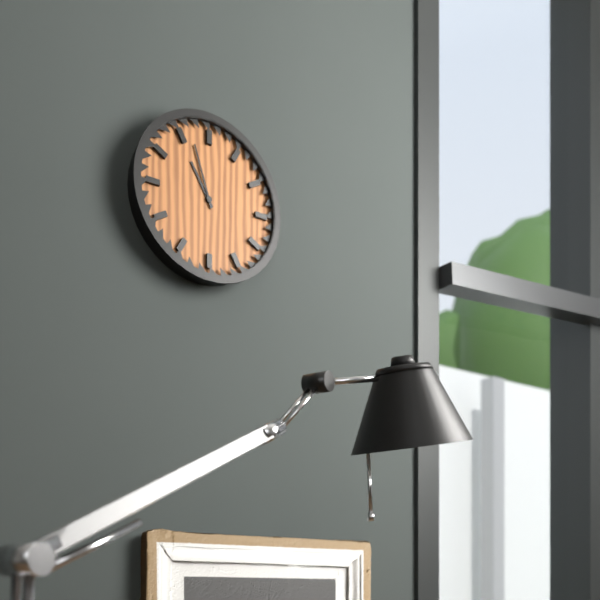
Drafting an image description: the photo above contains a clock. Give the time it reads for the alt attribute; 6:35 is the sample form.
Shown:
10:57
